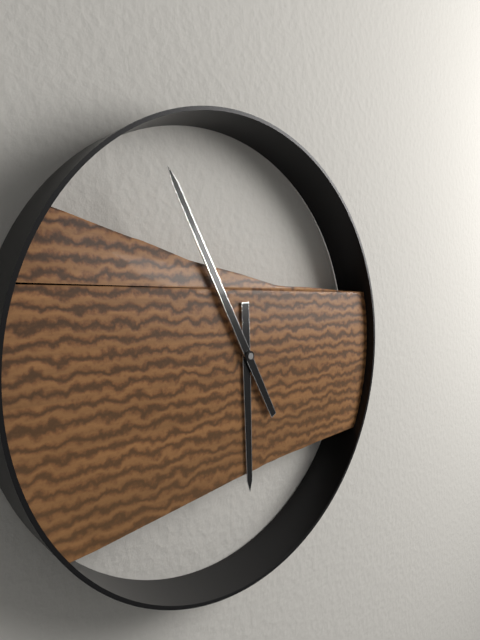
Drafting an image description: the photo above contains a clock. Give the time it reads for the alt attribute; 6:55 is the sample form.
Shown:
5:55
